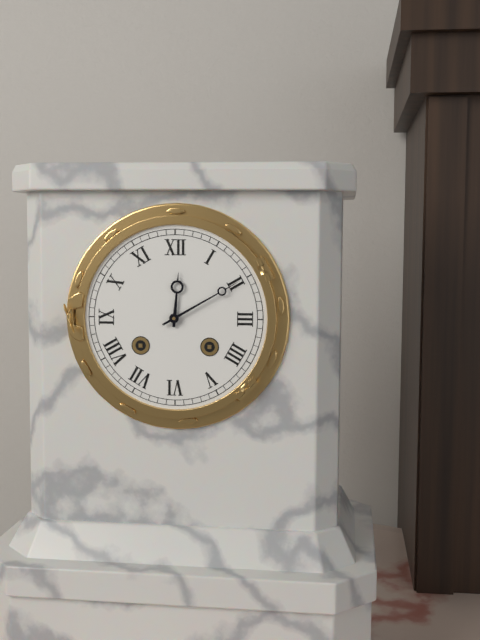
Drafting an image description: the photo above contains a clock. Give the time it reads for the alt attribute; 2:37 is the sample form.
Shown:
12:10
